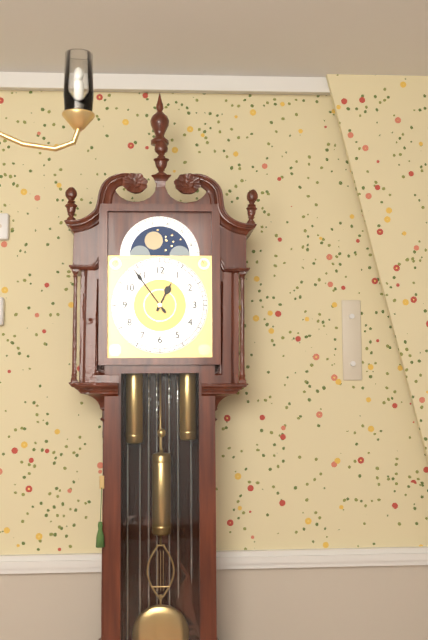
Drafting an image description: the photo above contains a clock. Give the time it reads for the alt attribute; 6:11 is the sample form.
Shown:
12:54
